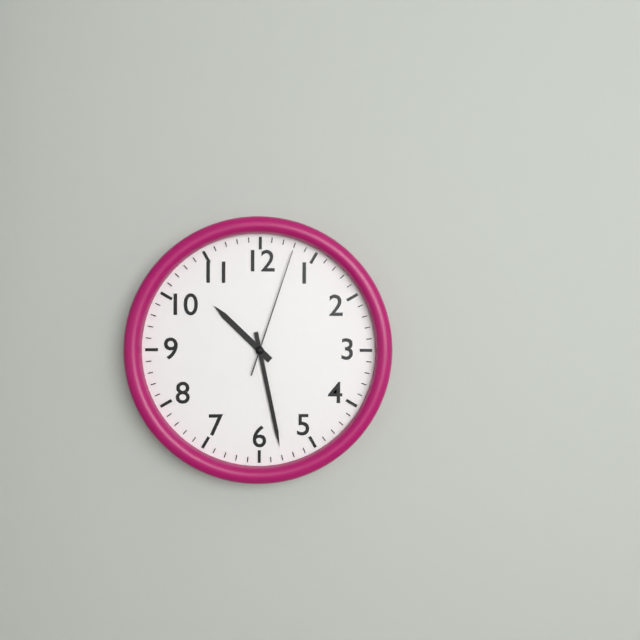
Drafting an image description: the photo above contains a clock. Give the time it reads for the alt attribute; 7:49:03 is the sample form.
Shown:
10:28:03
